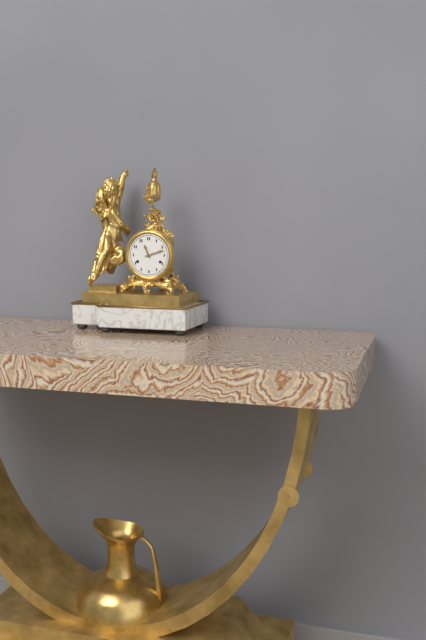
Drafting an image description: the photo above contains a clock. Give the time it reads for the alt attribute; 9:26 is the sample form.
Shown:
11:12
